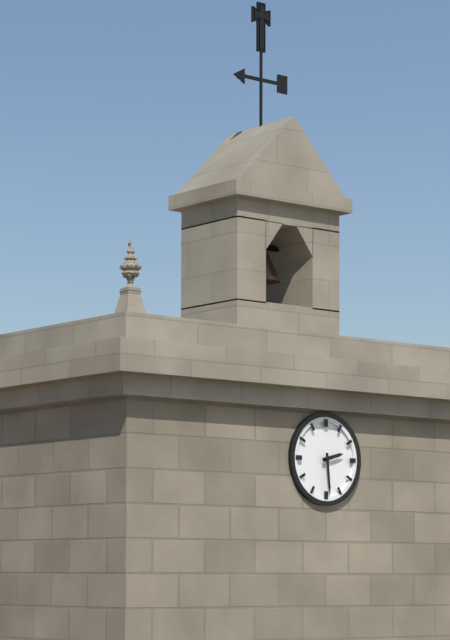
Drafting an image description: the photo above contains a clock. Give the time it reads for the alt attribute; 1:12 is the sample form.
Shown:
2:29
